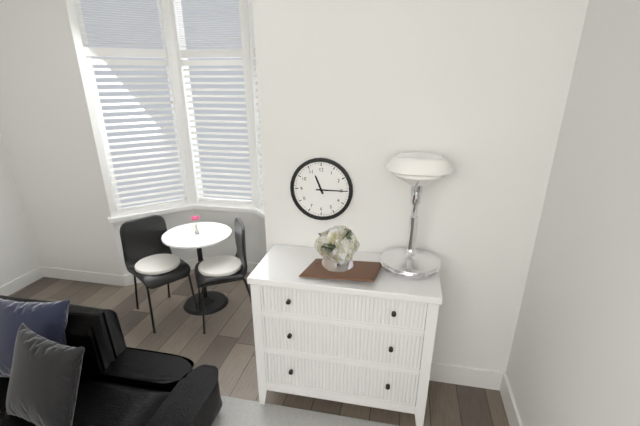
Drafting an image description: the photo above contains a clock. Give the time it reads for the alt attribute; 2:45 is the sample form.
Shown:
11:15
